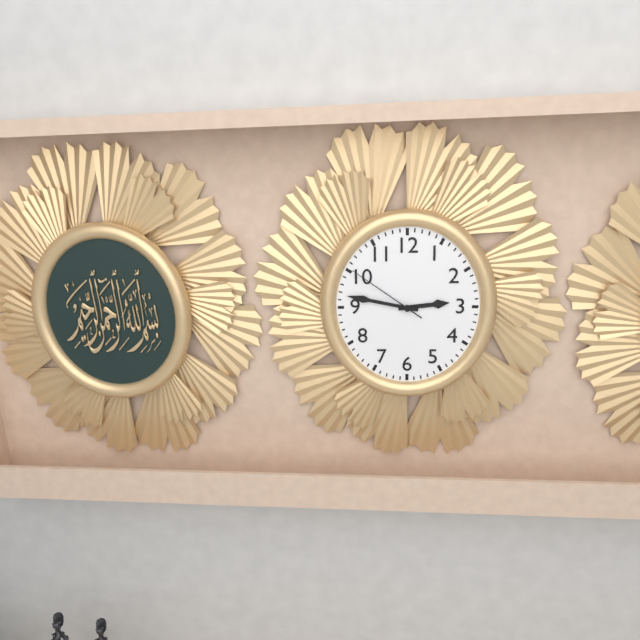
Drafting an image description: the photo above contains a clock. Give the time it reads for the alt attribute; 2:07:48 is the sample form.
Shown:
2:47:51
